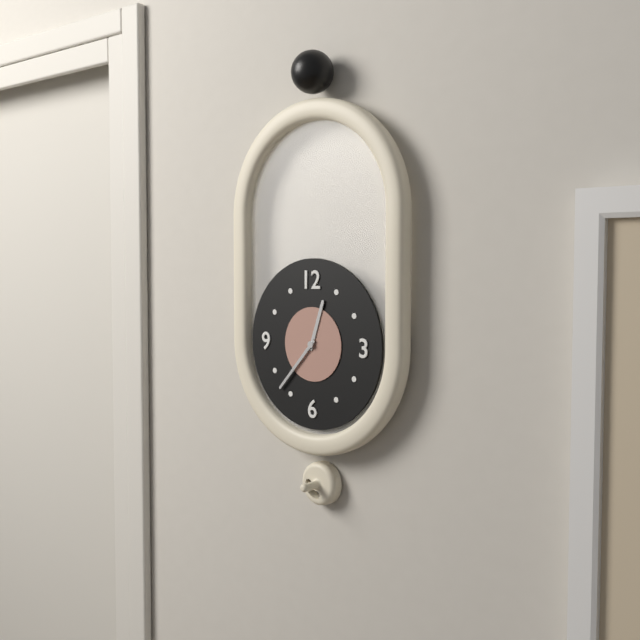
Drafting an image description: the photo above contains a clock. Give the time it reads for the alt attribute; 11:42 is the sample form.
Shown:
12:37
